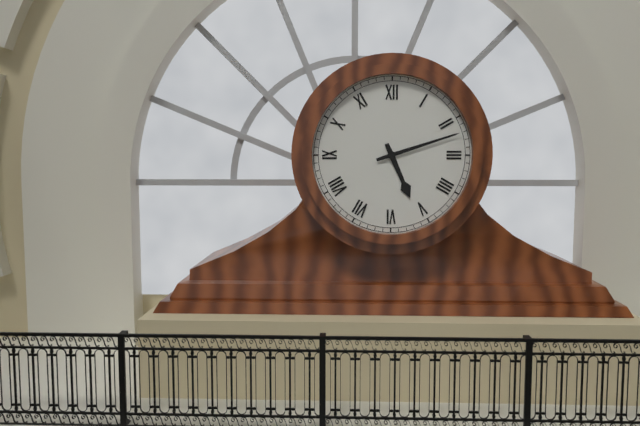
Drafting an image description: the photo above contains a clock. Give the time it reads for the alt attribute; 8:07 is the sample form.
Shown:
5:12
